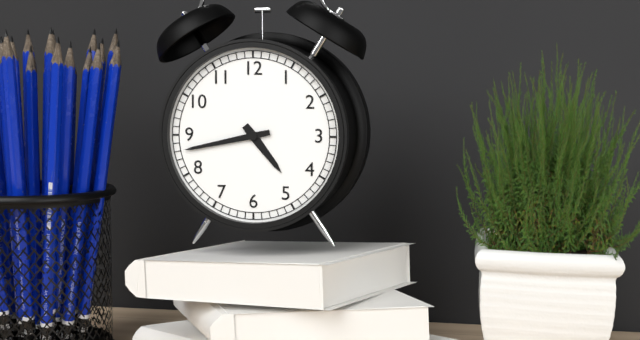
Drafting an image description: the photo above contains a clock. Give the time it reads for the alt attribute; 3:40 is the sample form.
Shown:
4:43
